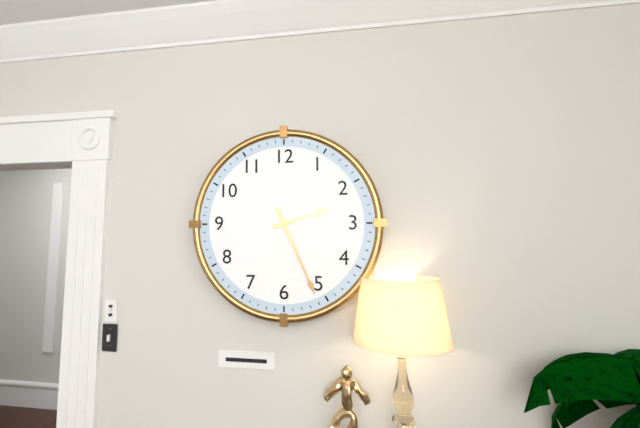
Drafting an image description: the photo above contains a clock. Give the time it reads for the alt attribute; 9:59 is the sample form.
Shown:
2:26
